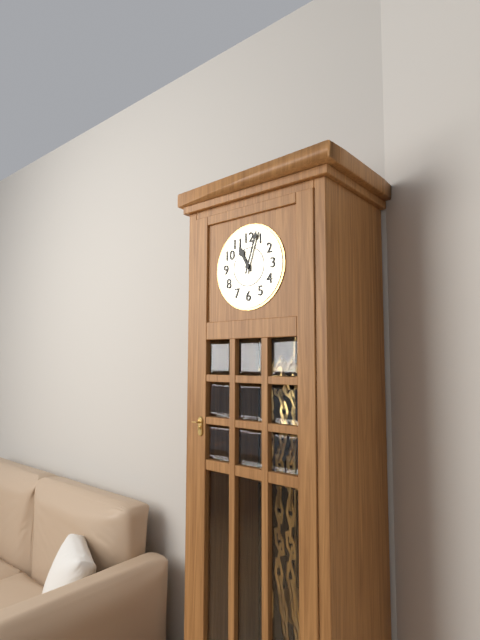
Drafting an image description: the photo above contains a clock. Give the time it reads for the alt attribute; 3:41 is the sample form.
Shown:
11:03
